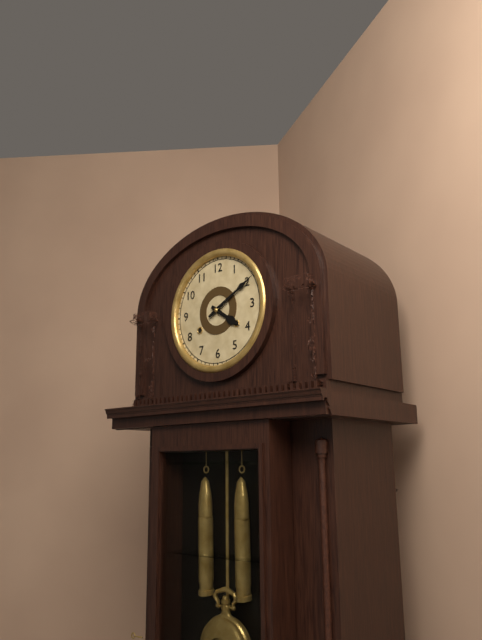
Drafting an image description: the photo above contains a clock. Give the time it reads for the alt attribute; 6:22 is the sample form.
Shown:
4:10
